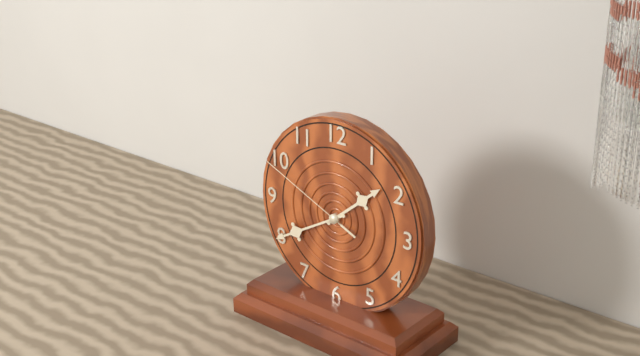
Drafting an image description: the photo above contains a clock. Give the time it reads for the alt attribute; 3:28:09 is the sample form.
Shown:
1:40:49
